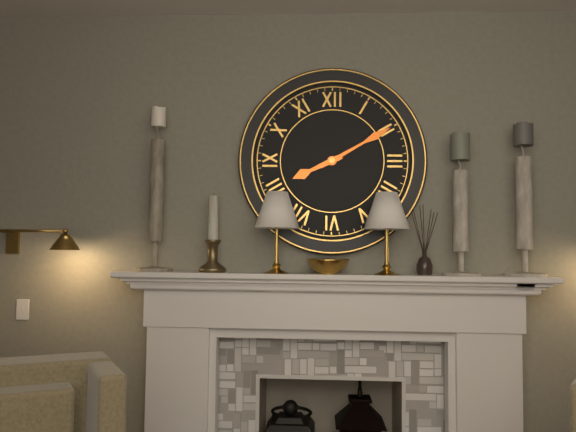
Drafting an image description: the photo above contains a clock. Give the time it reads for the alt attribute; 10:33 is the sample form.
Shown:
8:10
